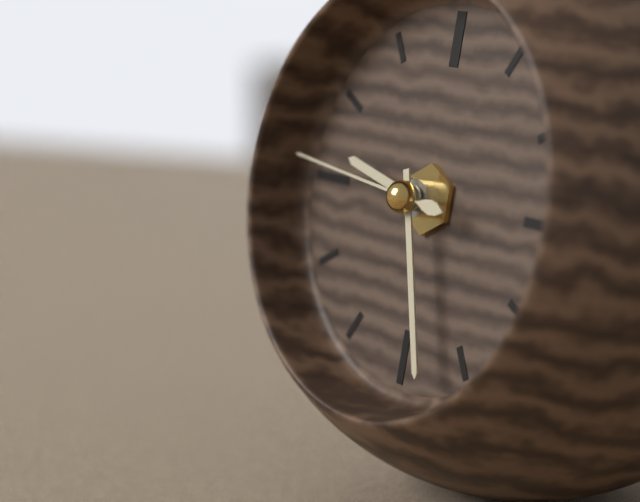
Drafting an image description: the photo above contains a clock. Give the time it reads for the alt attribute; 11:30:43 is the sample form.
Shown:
9:27:46
